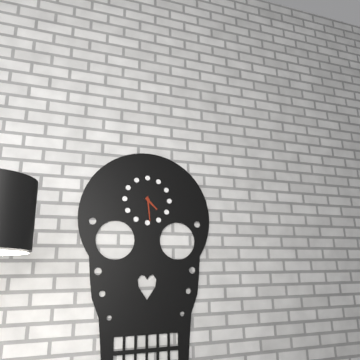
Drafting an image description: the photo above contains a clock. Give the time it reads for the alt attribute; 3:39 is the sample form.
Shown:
4:29
